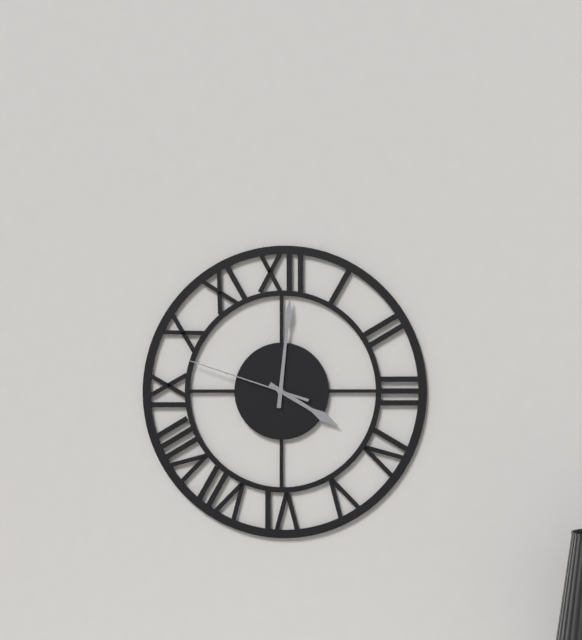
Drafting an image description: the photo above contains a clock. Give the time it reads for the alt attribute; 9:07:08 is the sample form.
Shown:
4:01:48
